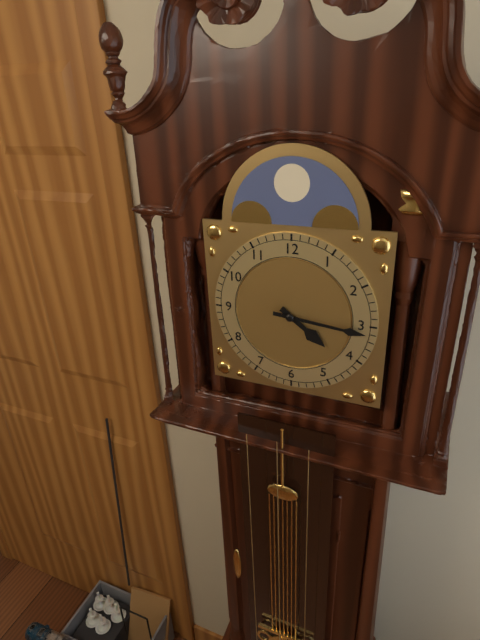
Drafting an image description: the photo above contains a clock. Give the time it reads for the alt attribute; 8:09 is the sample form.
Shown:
4:16
